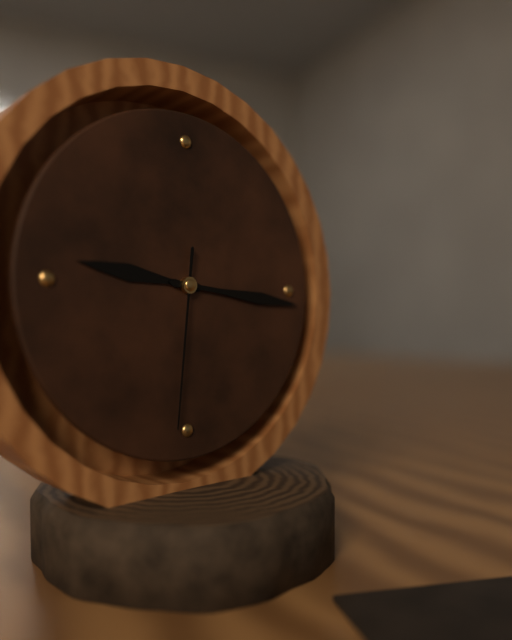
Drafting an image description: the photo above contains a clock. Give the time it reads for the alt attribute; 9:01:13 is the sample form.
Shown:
9:16:31
